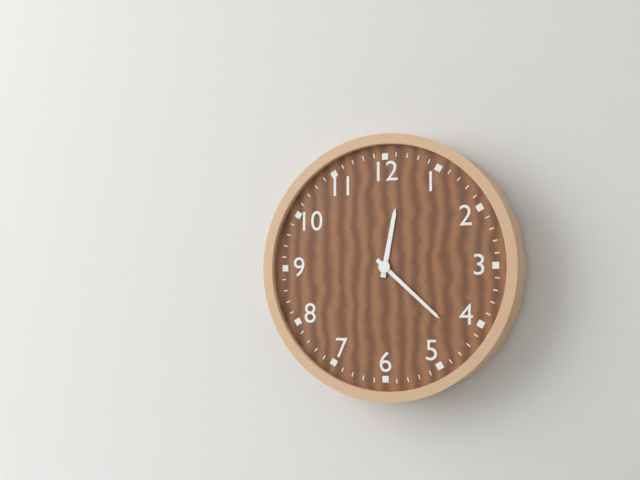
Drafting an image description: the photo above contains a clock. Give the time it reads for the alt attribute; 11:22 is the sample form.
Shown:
12:22
